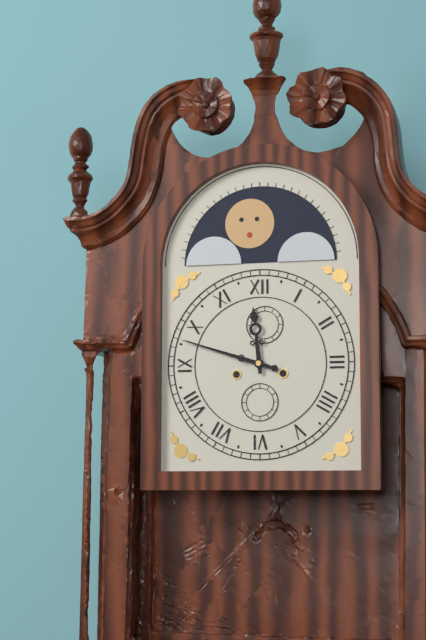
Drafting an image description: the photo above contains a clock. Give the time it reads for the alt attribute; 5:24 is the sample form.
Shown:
11:48
